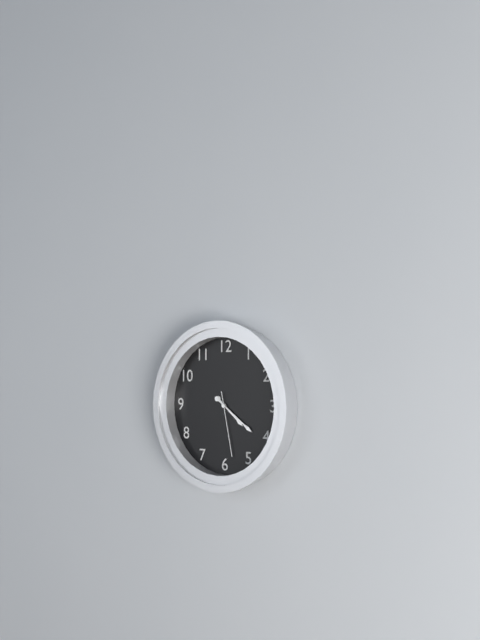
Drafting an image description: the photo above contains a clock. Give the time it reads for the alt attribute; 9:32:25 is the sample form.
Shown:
4:21:28
